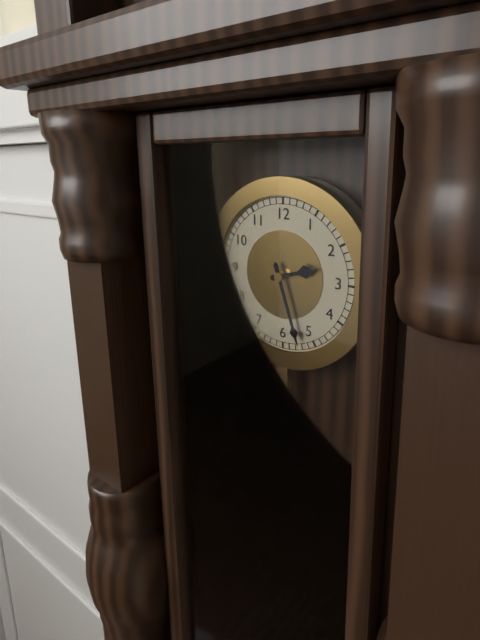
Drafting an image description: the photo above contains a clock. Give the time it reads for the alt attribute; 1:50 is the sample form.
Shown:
2:27
